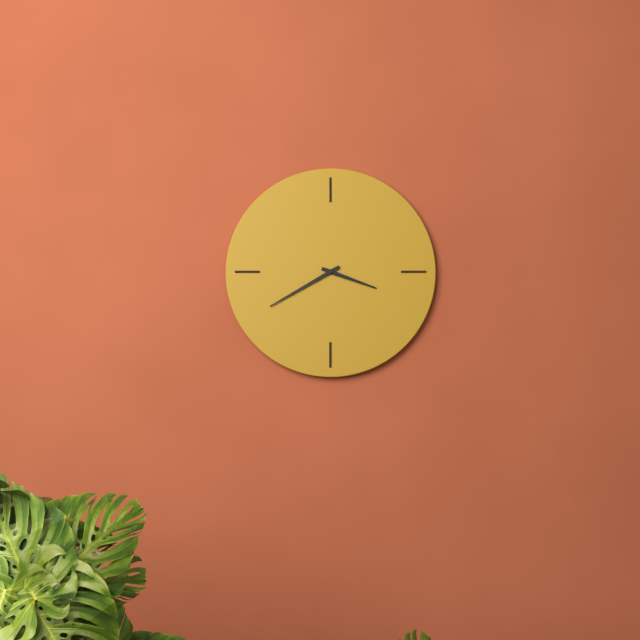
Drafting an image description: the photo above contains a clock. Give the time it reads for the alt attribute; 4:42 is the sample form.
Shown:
3:40
